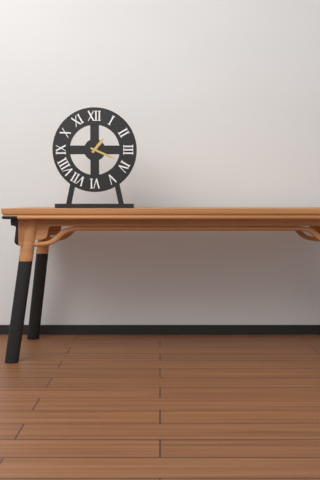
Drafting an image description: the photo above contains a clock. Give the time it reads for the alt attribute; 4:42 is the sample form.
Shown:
1:19
